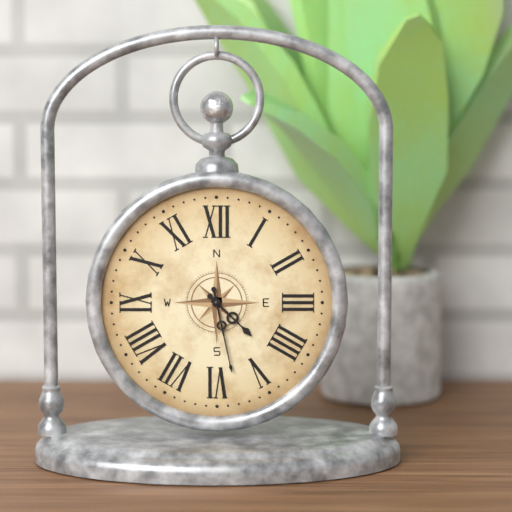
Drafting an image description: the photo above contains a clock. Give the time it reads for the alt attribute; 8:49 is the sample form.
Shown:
4:28
